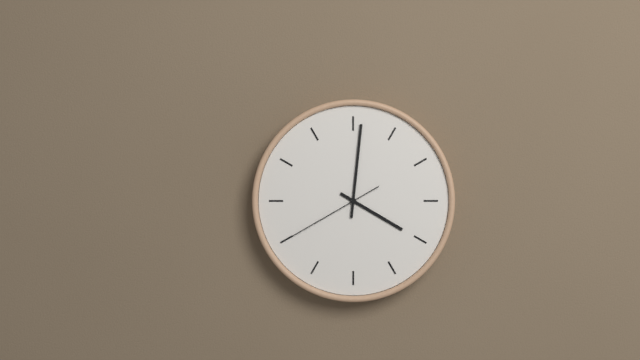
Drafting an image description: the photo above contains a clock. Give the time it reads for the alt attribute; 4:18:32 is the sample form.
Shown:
4:01:40
